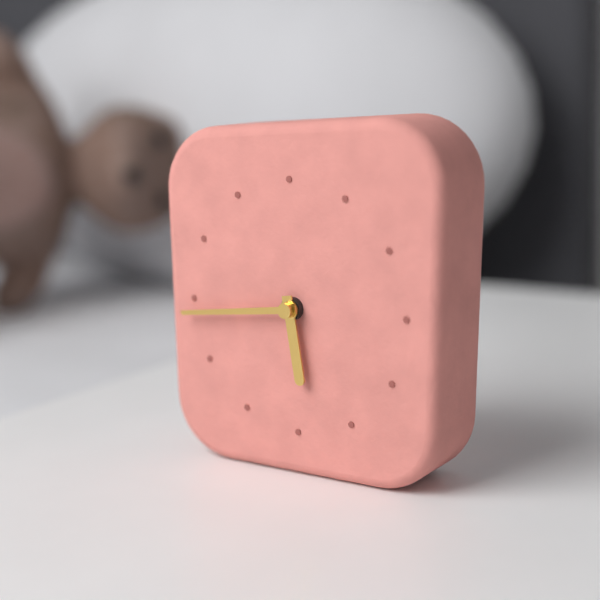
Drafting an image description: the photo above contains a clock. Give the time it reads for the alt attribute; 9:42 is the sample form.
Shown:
5:44
